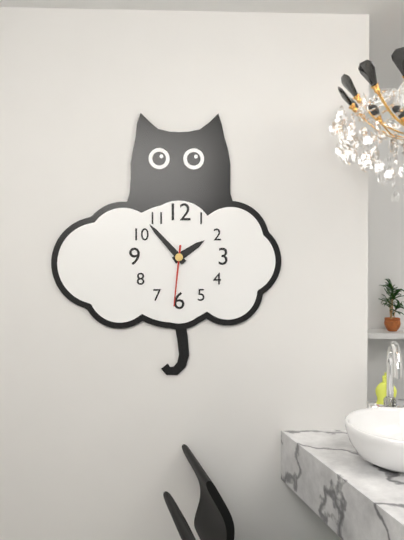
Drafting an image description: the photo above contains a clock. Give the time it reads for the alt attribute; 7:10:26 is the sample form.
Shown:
1:53:31
